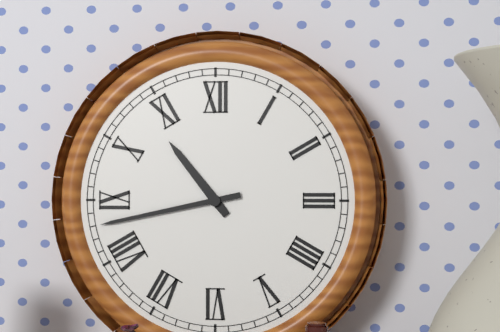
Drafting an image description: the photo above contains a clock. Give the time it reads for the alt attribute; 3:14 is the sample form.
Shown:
10:43
